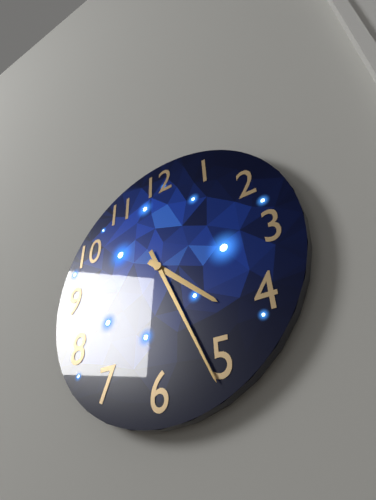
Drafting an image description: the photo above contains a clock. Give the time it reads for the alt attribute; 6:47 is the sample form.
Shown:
4:26
